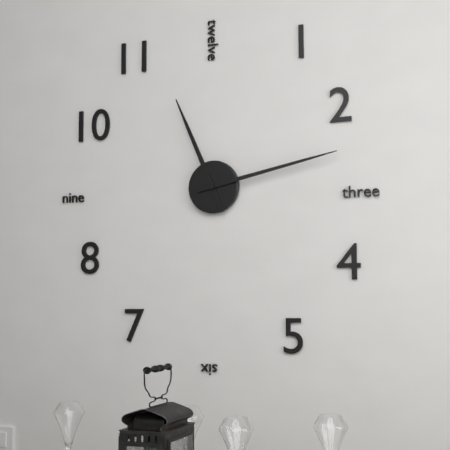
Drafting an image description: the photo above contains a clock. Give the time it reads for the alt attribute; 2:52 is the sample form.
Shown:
11:13
